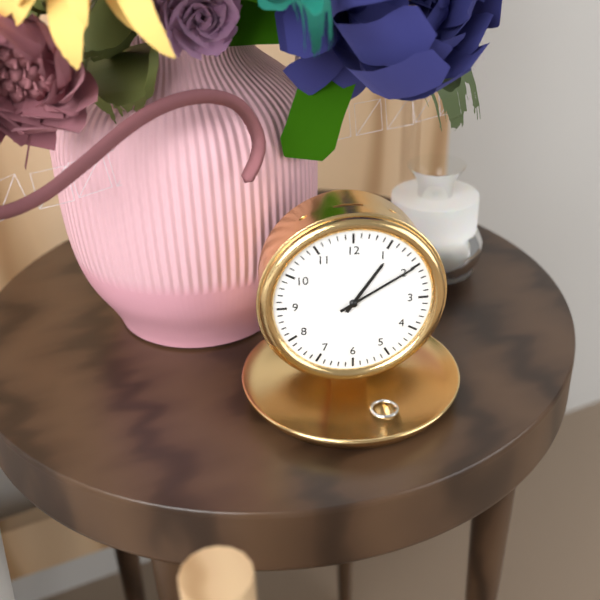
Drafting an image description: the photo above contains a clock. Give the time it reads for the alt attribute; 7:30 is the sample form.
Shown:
1:10
